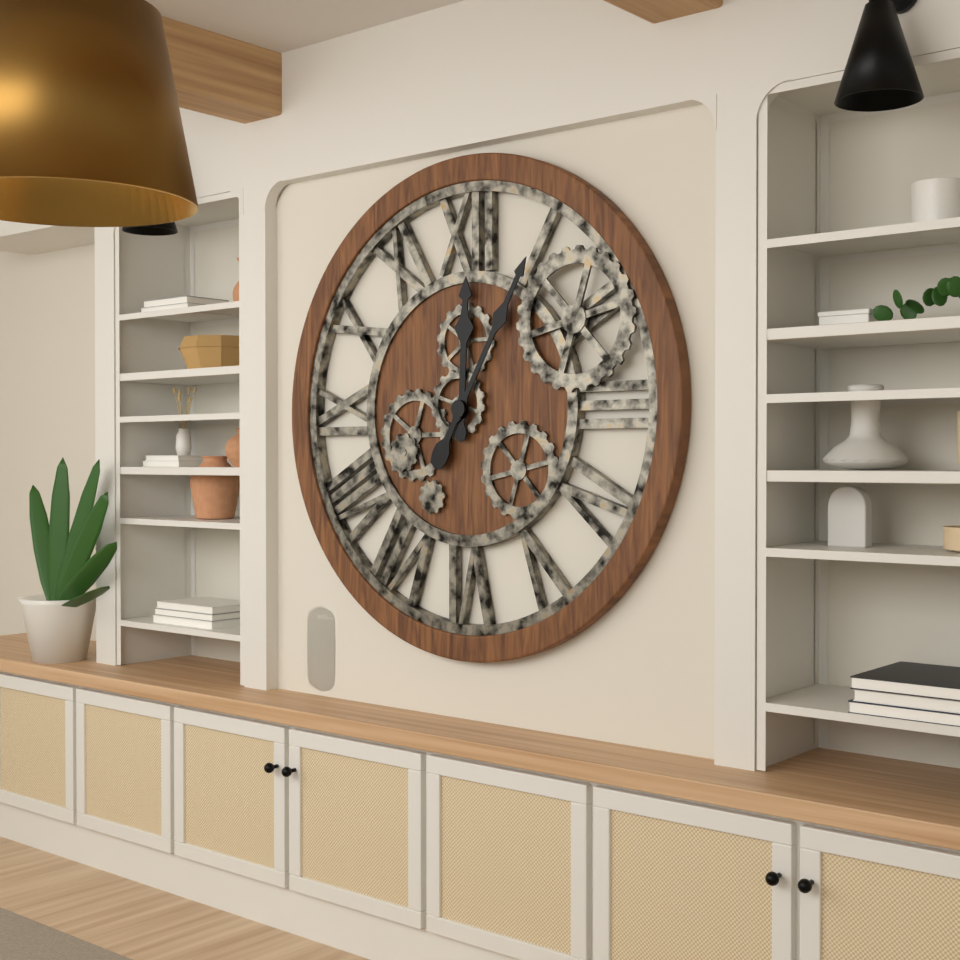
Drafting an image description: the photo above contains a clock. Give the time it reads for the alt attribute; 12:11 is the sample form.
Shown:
12:05
